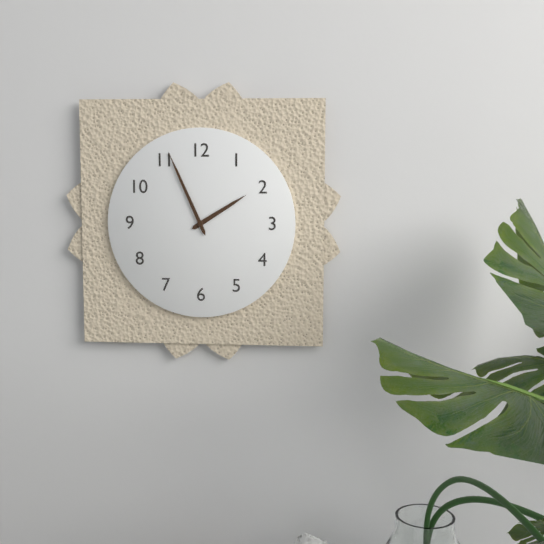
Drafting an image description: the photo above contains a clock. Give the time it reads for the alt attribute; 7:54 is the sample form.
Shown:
1:56
